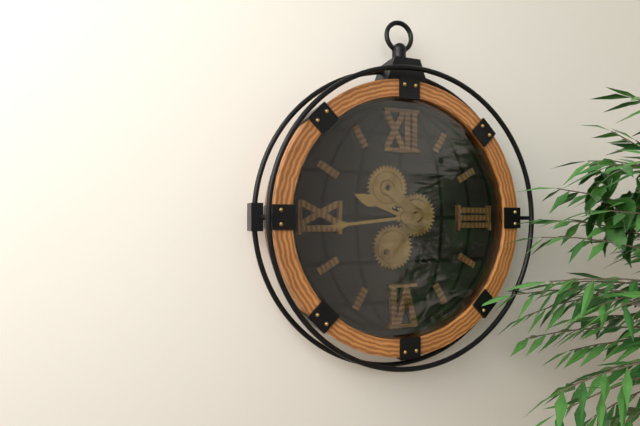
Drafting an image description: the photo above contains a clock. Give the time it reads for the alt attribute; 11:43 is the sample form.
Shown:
9:44
